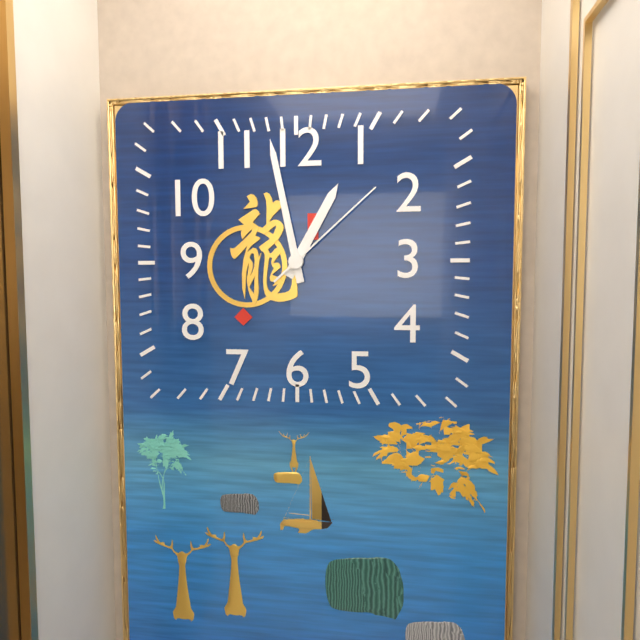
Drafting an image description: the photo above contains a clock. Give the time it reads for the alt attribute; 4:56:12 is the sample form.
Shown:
12:58:08
